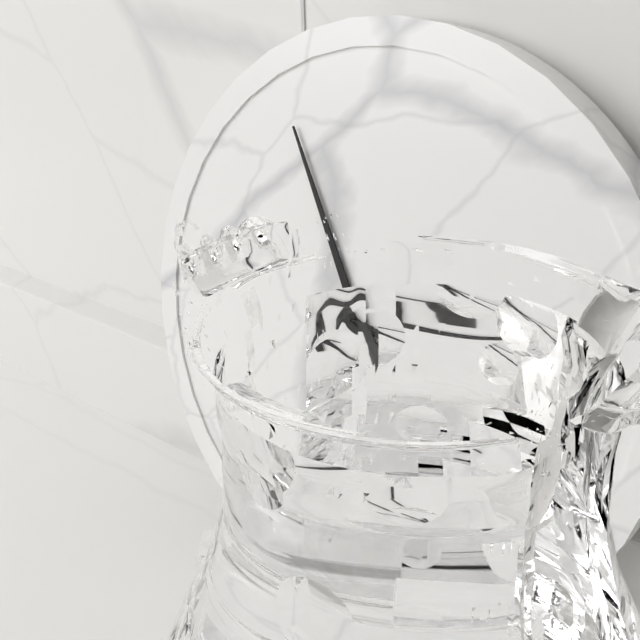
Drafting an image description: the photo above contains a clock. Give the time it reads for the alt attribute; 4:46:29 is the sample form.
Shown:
3:55:16
